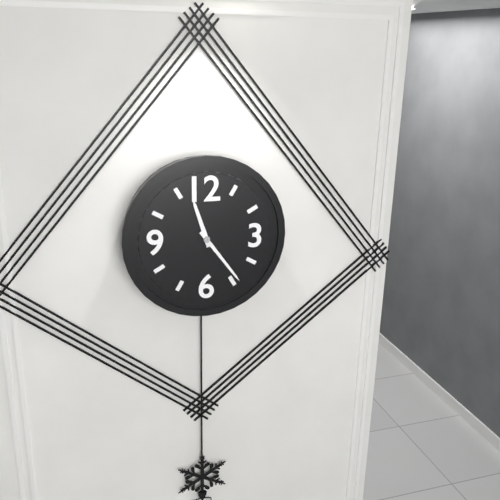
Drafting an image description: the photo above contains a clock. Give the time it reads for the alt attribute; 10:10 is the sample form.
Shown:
11:24
